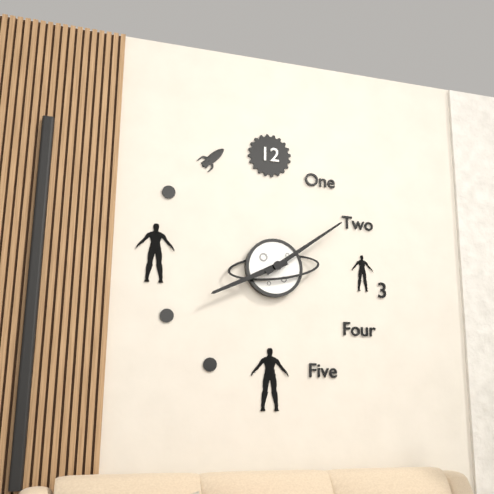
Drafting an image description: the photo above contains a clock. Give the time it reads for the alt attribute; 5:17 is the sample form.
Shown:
8:09
